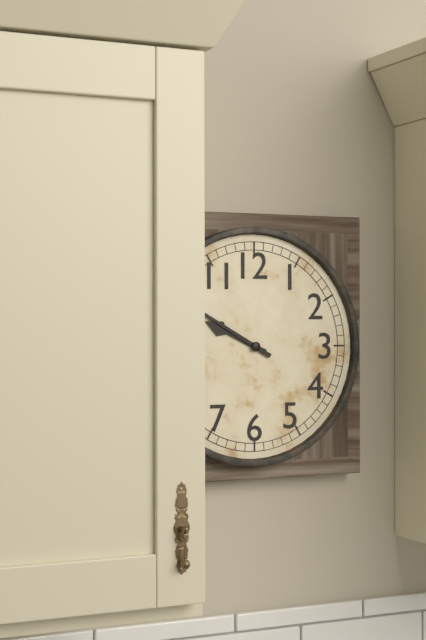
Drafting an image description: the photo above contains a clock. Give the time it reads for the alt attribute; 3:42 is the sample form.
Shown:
9:50
